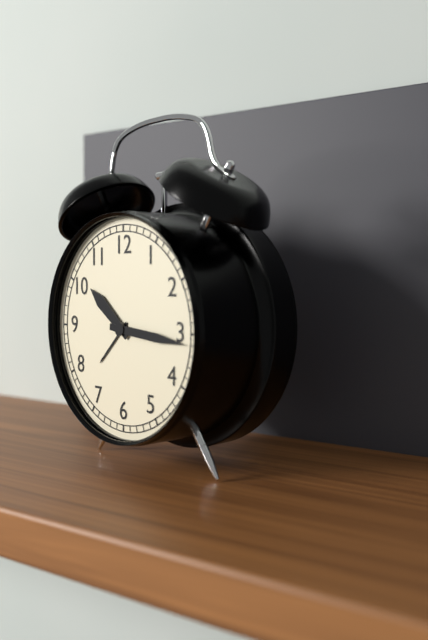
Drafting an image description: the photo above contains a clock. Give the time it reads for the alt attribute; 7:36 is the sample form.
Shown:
10:16
